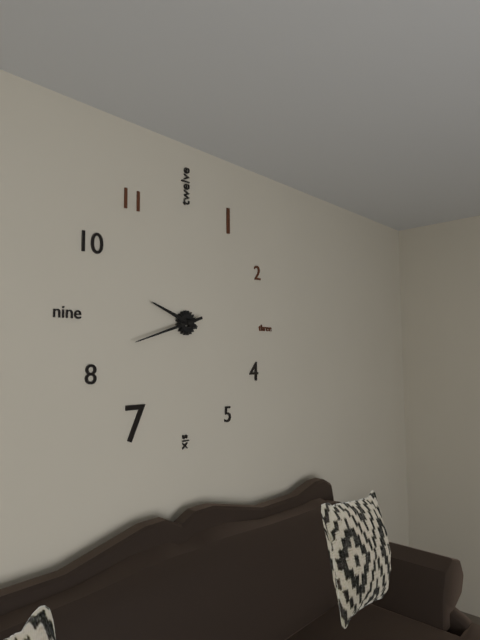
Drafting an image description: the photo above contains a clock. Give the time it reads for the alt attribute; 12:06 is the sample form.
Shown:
9:42
